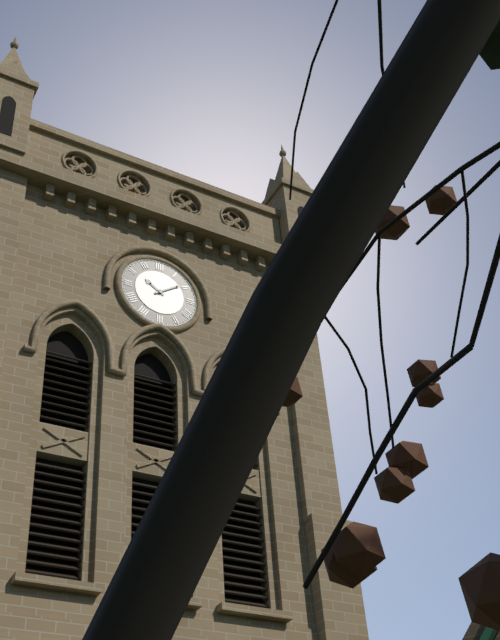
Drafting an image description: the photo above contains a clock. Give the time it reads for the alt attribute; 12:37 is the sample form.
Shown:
10:09
